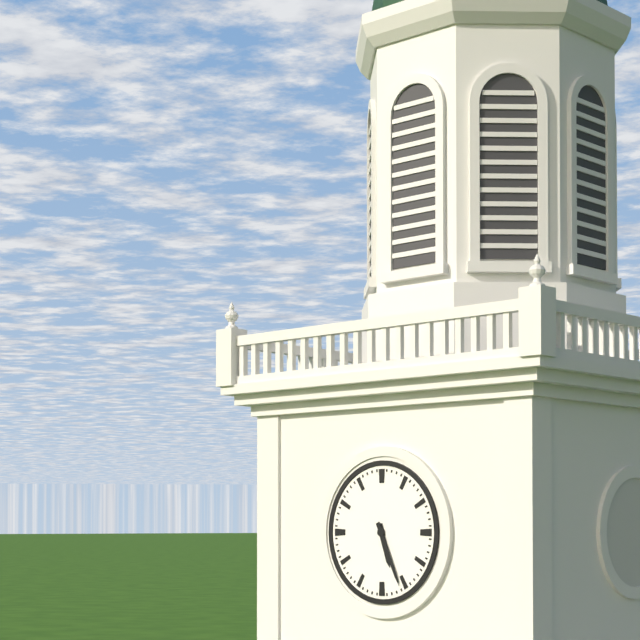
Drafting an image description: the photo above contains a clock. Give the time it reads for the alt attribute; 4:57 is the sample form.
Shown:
5:26
